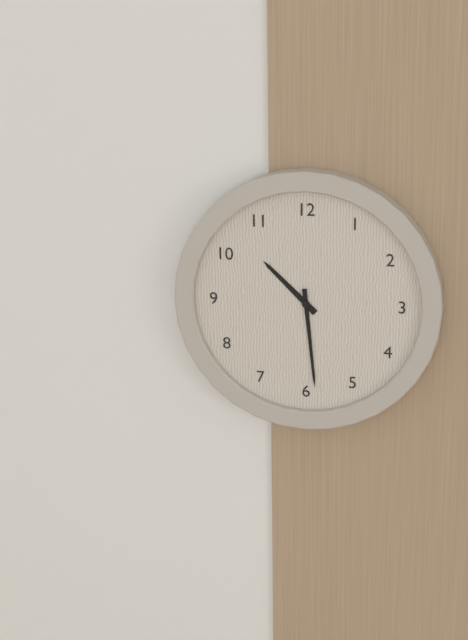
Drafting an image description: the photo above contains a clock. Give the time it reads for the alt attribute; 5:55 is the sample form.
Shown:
10:29
